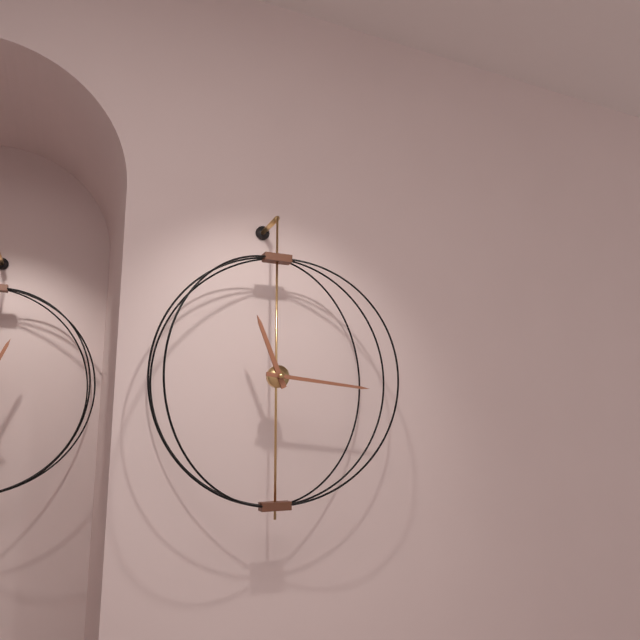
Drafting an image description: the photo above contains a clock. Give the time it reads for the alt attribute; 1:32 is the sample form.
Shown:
11:16
